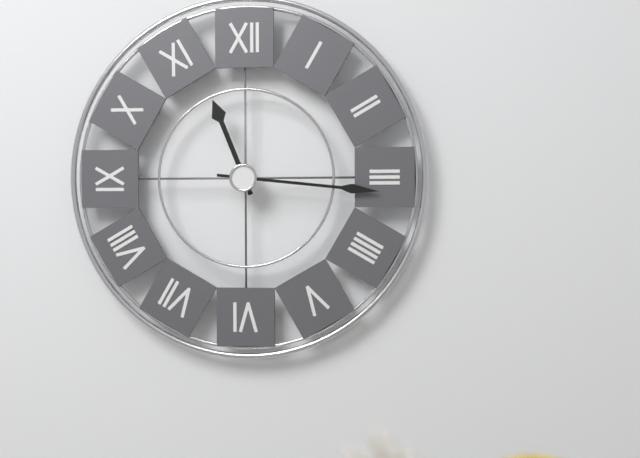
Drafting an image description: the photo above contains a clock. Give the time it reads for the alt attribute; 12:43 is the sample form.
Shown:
11:16
